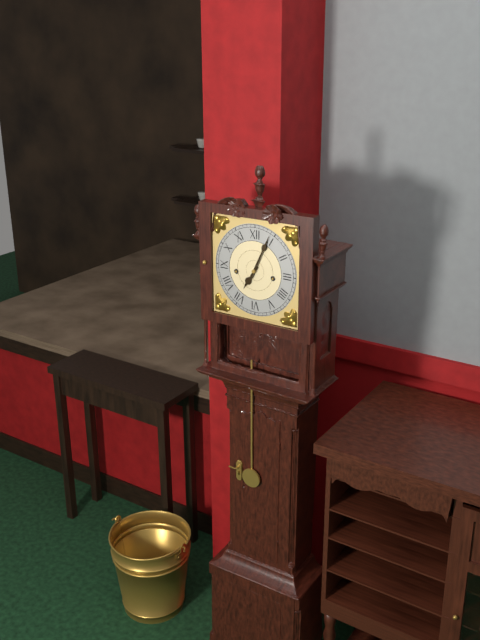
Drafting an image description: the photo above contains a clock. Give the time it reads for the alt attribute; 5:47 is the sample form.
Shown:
7:04
